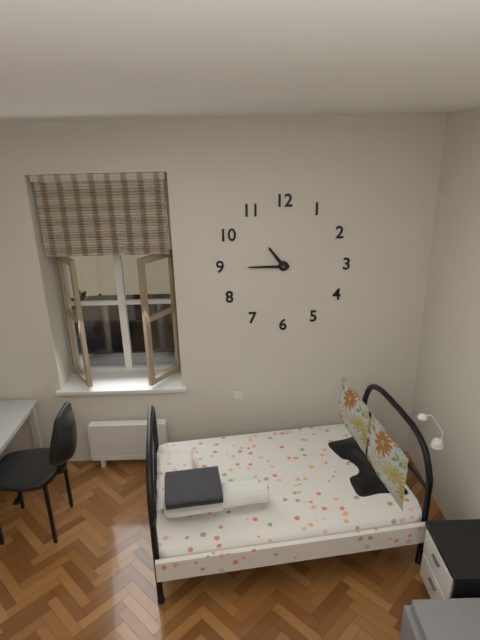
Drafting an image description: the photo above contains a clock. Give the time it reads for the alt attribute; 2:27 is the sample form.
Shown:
10:45
